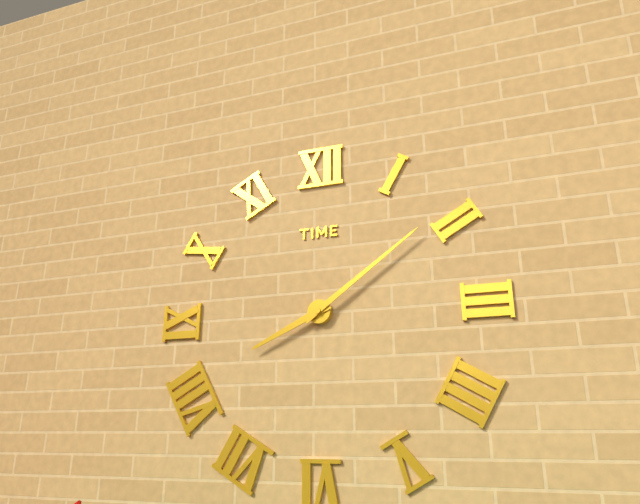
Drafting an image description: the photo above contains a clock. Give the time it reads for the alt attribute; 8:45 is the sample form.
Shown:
8:09
